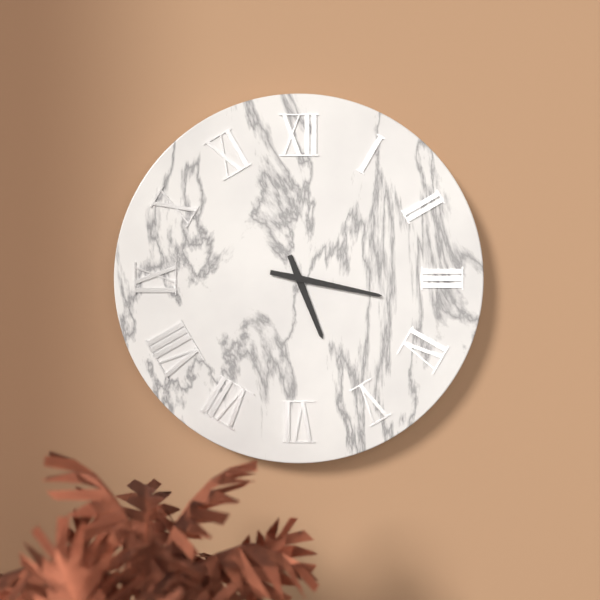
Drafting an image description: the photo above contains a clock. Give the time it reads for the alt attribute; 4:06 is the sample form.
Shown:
5:17
